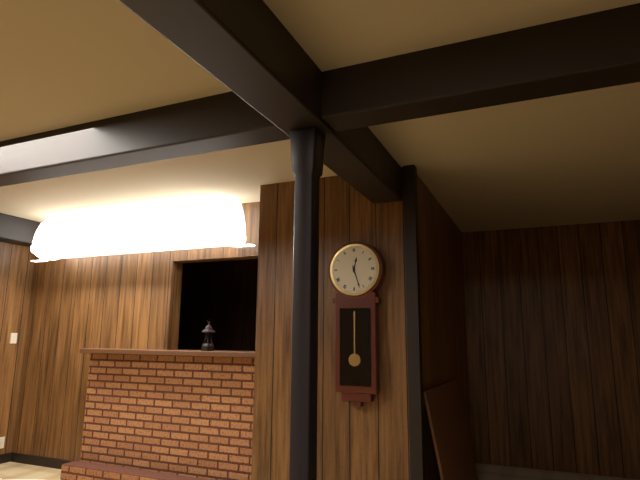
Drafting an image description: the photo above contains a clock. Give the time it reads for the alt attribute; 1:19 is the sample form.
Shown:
12:27
